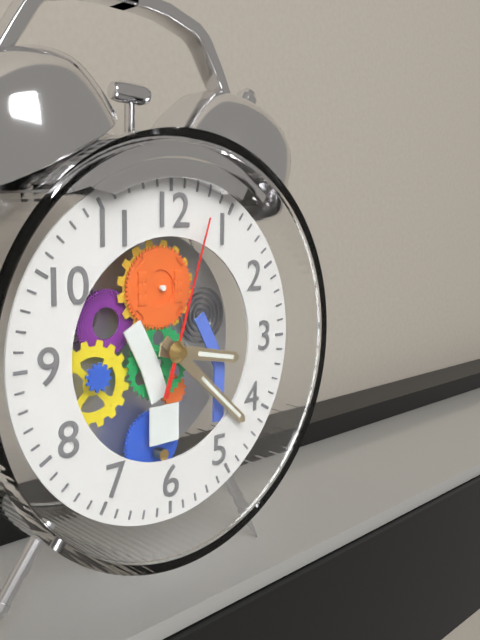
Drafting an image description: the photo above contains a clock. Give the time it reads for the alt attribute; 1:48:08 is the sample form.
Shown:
3:22:03
